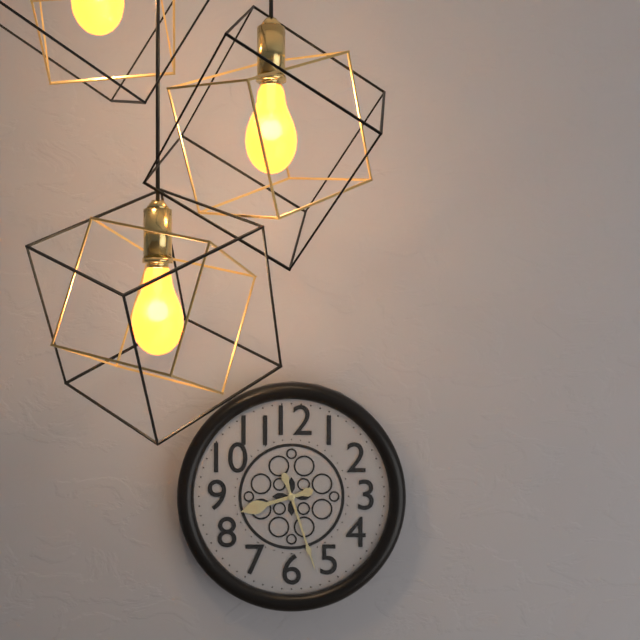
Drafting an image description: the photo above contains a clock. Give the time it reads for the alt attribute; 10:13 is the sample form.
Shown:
8:27
